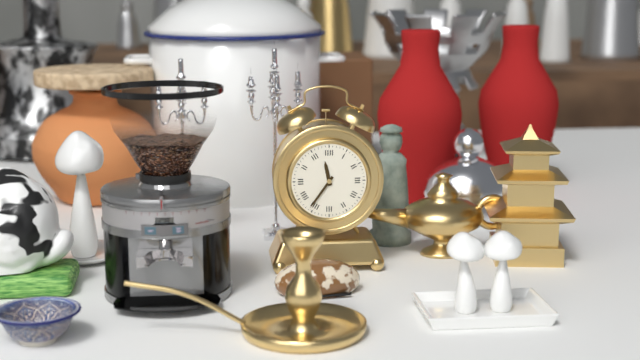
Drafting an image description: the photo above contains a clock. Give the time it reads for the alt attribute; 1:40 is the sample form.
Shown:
11:36
